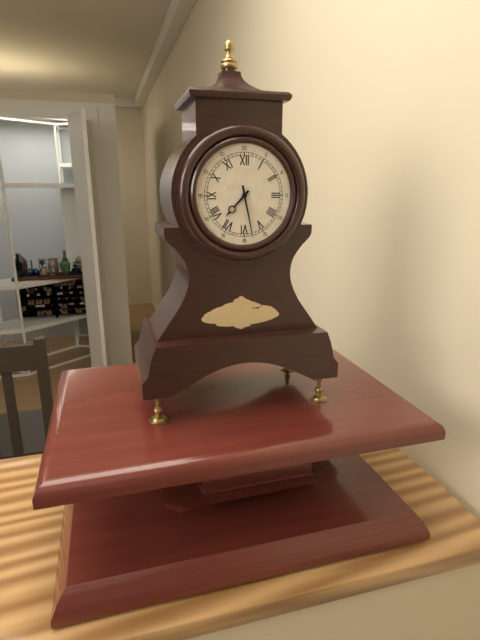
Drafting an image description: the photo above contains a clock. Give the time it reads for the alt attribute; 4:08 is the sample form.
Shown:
7:28
